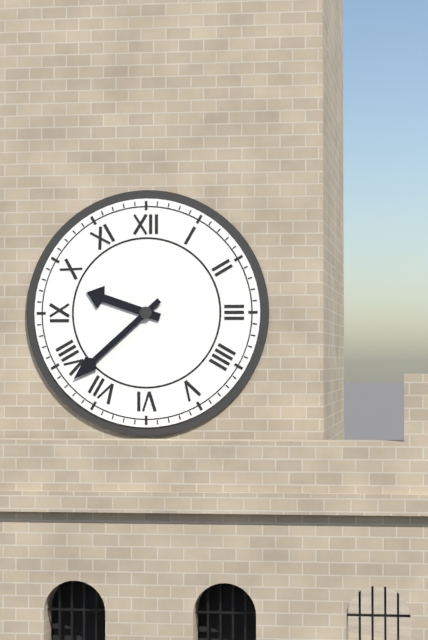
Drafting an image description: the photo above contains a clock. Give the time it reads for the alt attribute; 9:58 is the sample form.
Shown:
9:38
